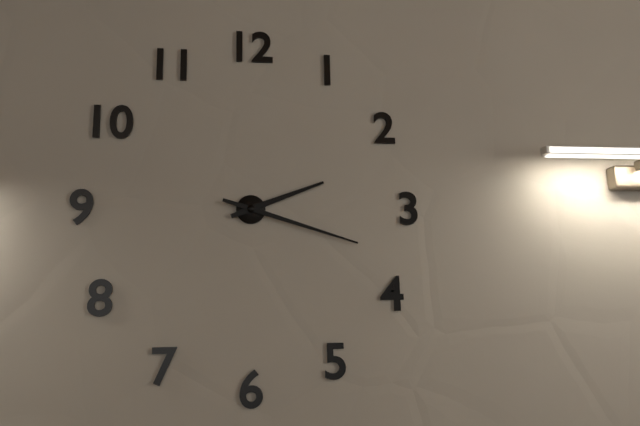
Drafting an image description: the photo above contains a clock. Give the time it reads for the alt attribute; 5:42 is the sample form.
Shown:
2:18
